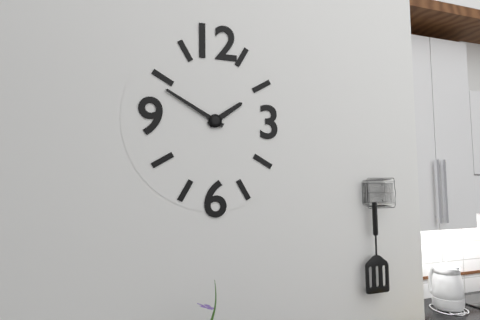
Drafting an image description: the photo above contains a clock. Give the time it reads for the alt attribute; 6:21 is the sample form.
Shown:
1:50
